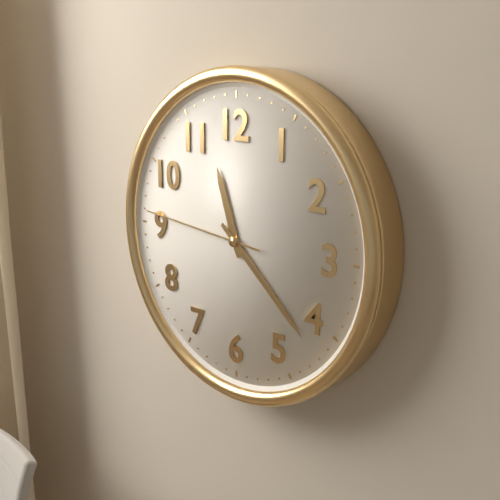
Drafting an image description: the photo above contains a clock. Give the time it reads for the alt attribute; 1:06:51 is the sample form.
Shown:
11:22:46
